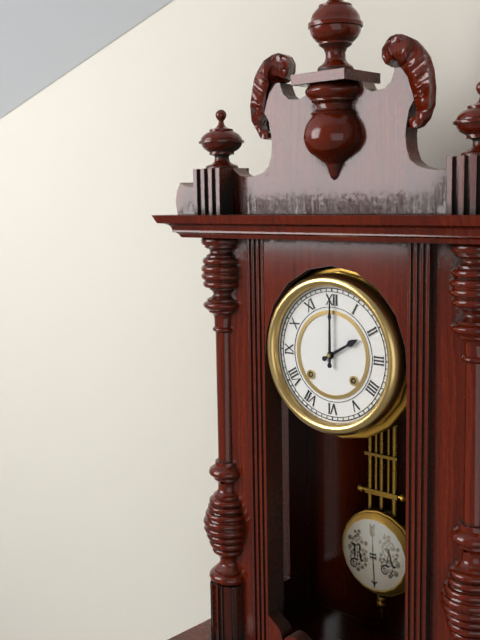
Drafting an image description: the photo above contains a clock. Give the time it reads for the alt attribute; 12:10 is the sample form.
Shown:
2:00
